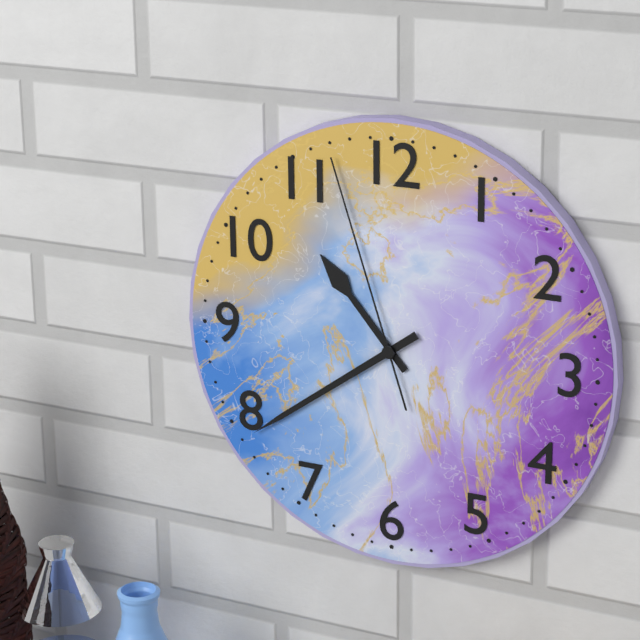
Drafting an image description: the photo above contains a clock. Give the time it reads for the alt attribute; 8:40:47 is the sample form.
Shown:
10:39:57
